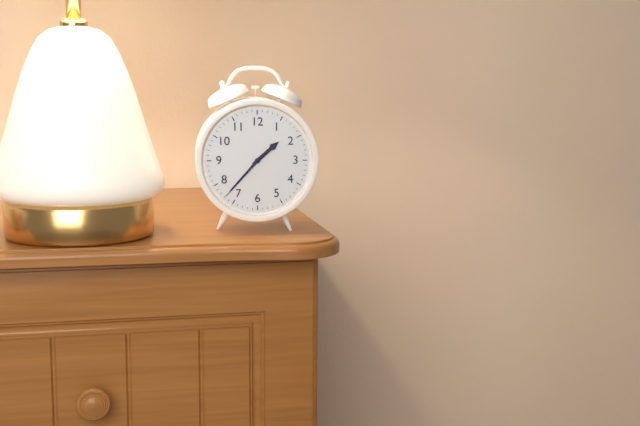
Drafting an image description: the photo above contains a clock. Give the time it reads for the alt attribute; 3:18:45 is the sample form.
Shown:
1:37:37
